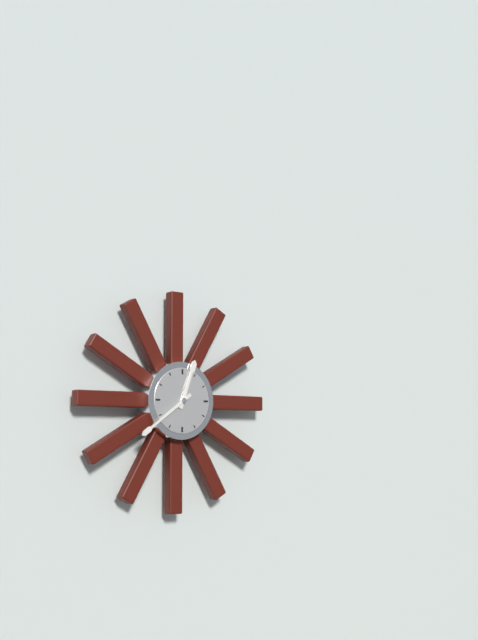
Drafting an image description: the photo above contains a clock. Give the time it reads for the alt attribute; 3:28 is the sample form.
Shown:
12:39
